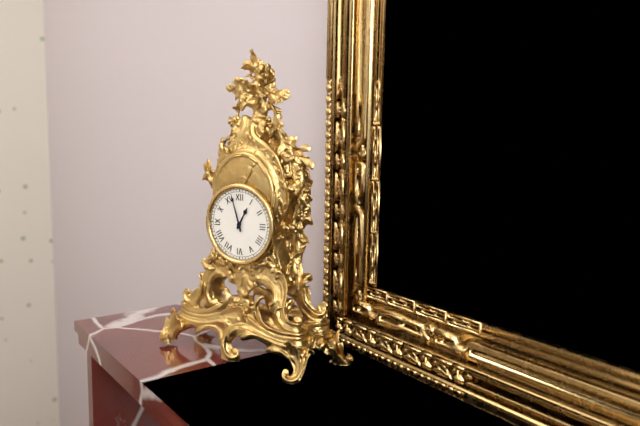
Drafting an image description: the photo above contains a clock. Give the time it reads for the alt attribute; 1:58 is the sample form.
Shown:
12:57
